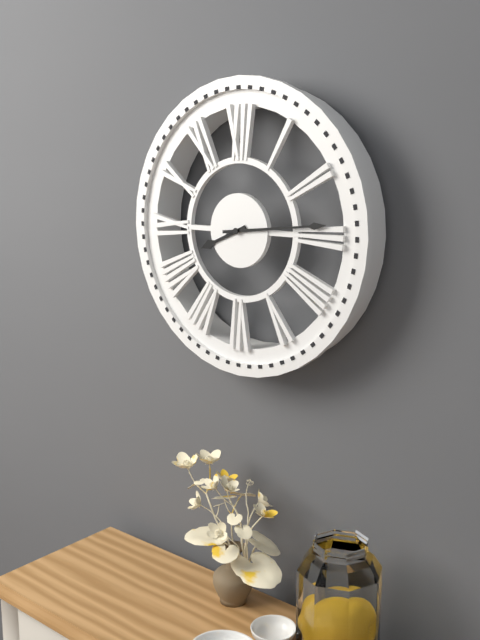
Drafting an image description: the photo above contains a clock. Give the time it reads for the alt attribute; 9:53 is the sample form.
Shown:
8:14
